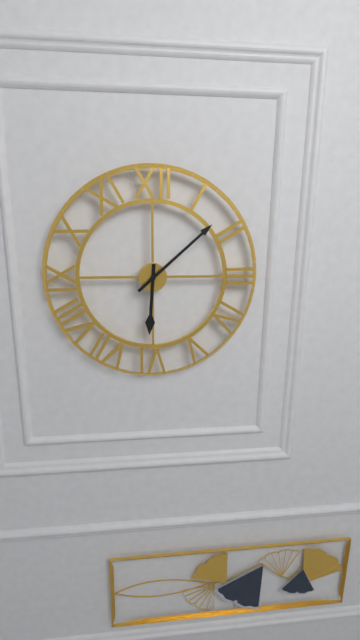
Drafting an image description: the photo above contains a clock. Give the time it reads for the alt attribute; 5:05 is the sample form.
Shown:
6:08
